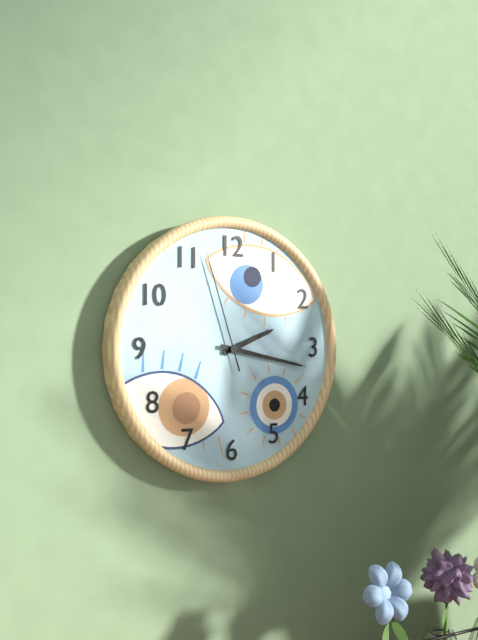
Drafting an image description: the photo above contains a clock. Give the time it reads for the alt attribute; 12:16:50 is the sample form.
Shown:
2:17:57
